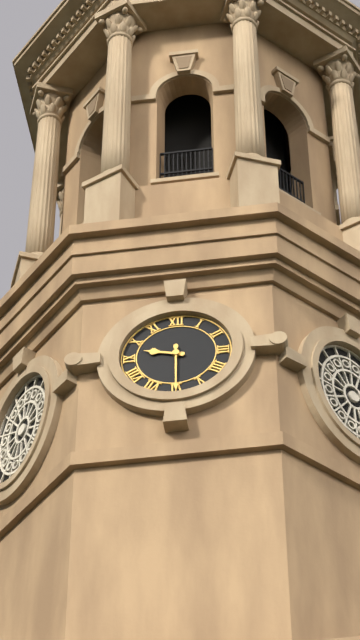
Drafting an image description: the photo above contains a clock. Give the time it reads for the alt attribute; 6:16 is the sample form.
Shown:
9:30
